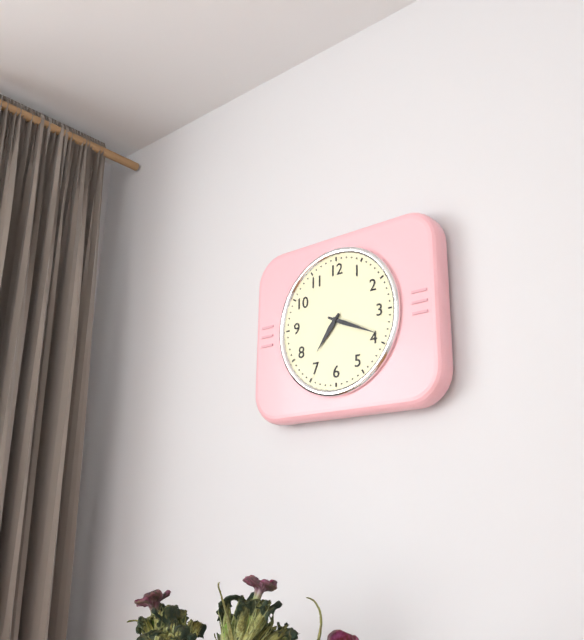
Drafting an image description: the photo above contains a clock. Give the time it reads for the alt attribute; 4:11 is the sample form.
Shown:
7:19
